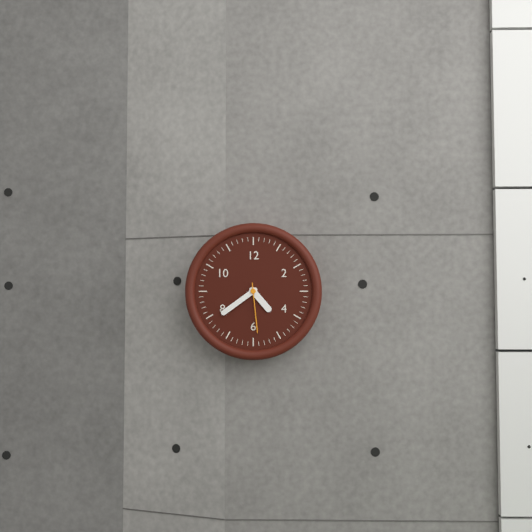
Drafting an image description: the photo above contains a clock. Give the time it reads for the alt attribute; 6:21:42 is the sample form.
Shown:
4:39:29
